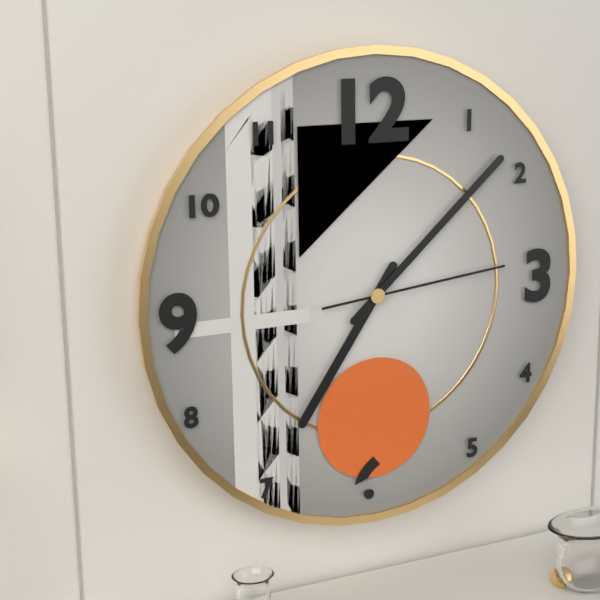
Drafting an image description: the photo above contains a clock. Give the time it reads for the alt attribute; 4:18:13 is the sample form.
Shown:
7:08:14
